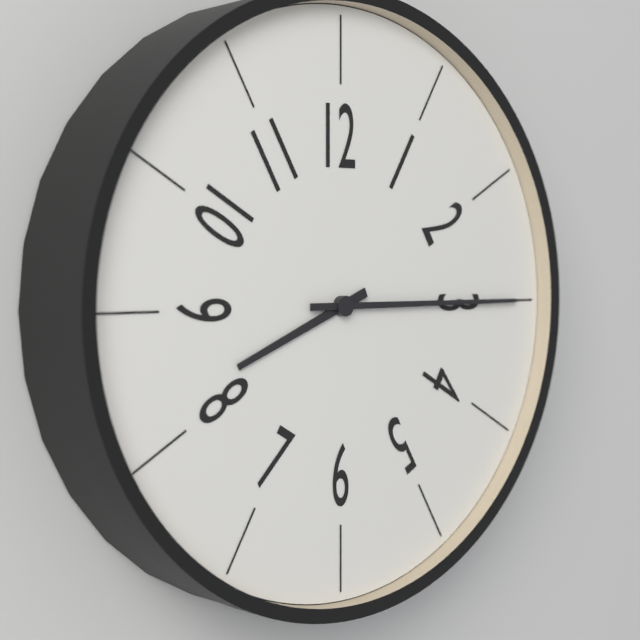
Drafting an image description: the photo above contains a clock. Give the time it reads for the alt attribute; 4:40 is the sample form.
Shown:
8:15
